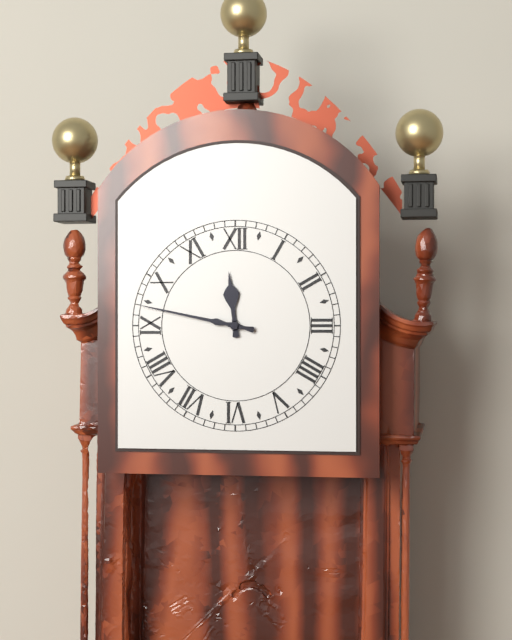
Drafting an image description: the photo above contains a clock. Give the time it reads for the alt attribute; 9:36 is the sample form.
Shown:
11:47
